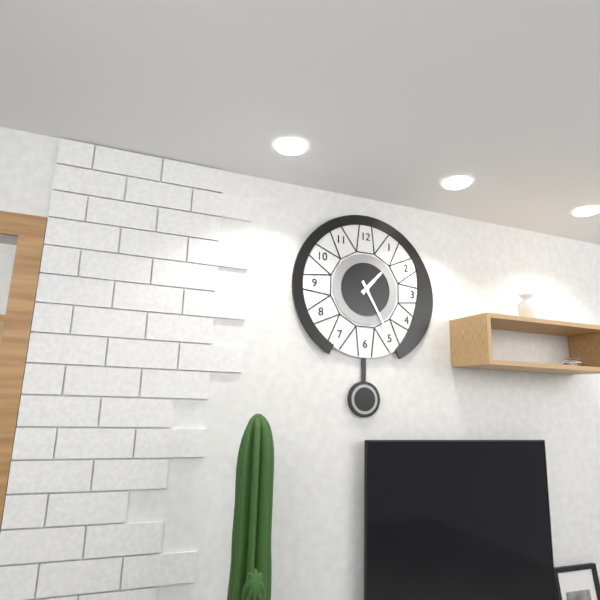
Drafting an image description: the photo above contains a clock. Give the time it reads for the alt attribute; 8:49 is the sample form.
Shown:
1:25
